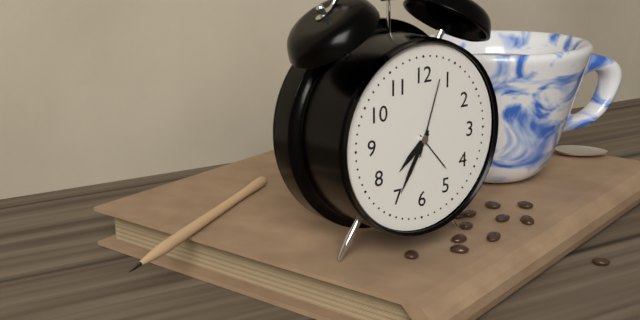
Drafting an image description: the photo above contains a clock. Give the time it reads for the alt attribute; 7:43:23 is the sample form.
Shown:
7:35:03
